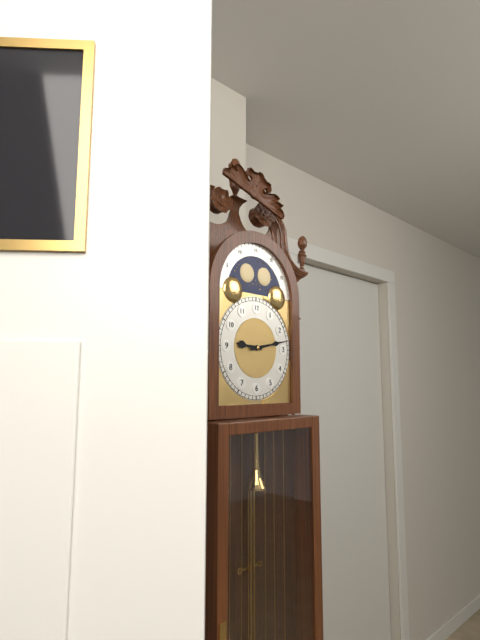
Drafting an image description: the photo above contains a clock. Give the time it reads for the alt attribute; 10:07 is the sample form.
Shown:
9:13
